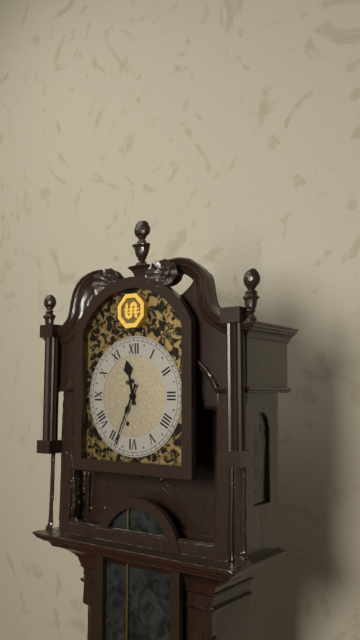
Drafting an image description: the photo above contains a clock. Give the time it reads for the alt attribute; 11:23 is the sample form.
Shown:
11:34
